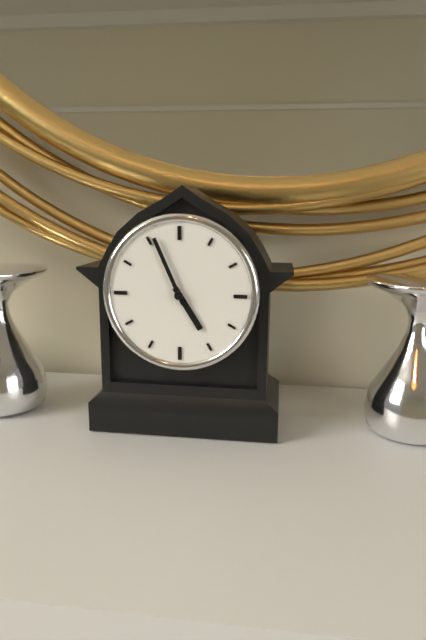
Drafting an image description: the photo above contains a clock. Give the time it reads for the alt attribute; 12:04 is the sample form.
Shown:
4:56
